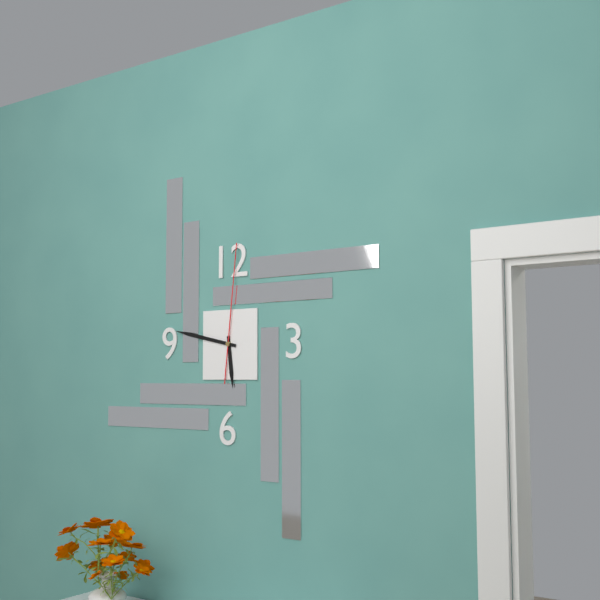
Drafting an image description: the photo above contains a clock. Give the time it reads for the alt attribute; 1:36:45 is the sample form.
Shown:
5:47:01
